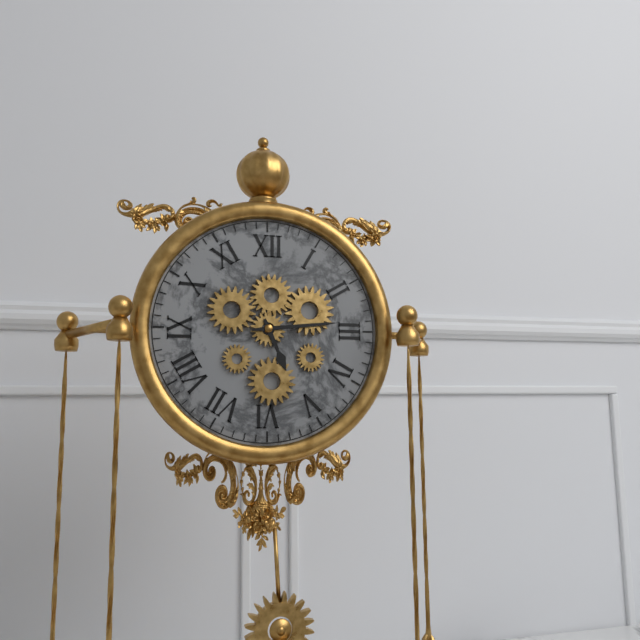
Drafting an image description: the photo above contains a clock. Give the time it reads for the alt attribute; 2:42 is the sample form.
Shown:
5:14
